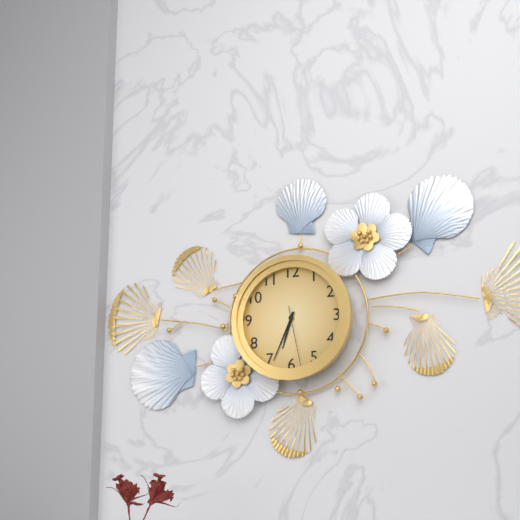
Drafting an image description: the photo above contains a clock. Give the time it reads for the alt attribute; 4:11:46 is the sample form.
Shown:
6:34:28
